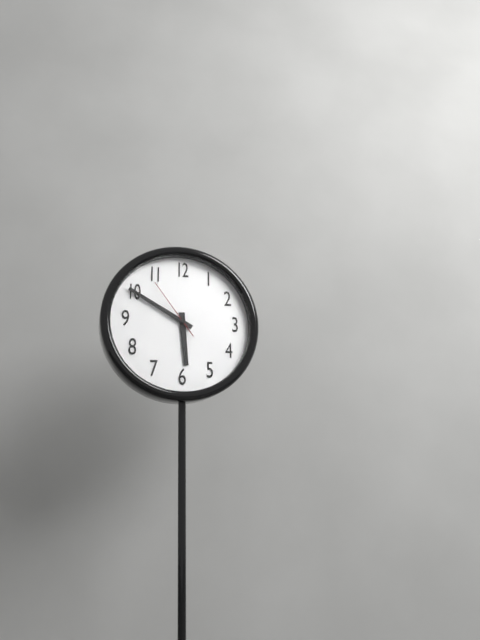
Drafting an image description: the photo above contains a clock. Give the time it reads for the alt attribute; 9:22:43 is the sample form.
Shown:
5:50:54
